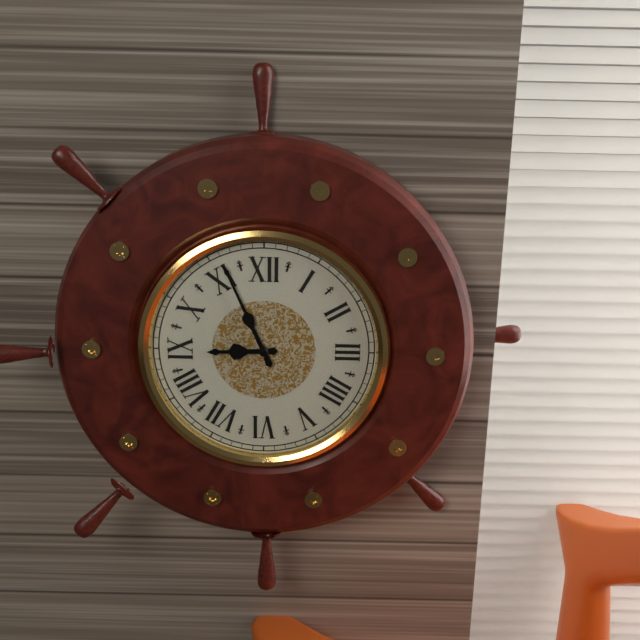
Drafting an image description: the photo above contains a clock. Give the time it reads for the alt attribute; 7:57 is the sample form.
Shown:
8:56
